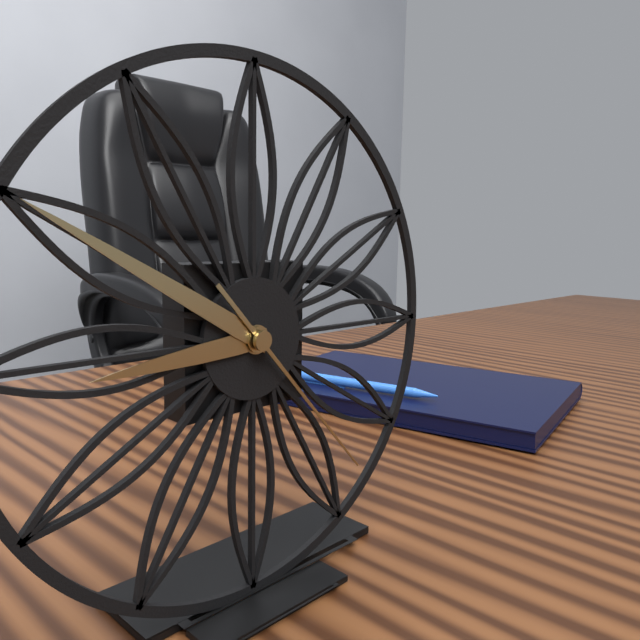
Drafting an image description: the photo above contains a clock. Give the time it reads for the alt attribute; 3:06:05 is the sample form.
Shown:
8:50:23
